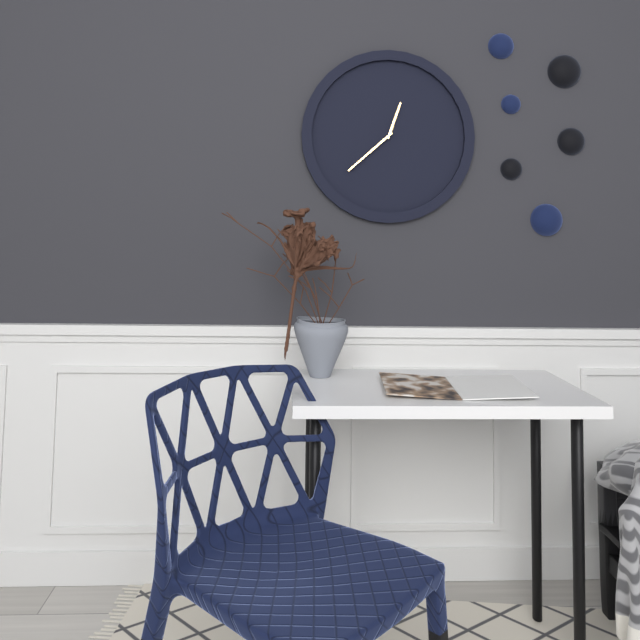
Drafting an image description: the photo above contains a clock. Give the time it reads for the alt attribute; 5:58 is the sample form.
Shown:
12:38
